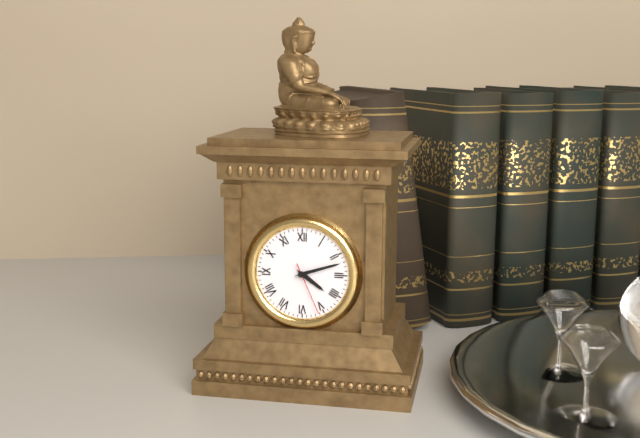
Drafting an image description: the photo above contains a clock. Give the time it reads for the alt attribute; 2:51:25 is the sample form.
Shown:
4:12:26
